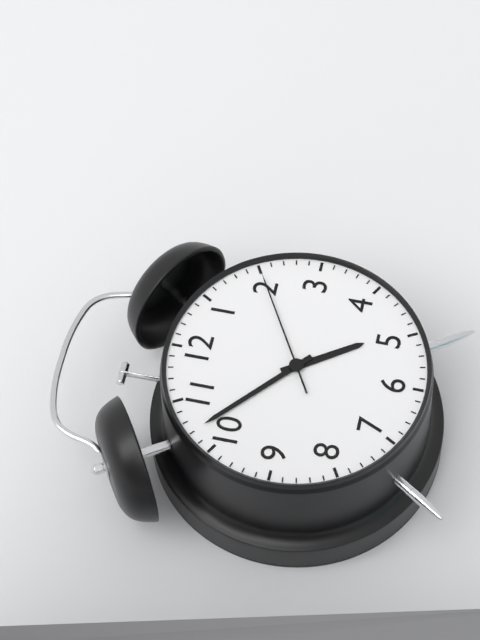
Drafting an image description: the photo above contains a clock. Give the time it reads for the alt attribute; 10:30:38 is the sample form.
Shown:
4:52:10
